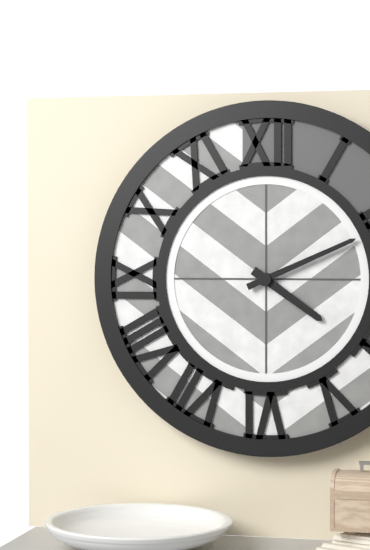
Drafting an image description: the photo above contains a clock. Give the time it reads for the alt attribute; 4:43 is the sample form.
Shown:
4:11
